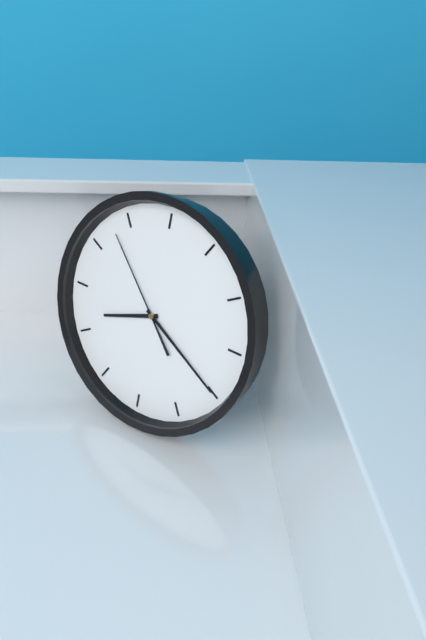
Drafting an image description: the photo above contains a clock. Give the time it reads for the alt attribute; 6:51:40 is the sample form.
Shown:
8:20:53
